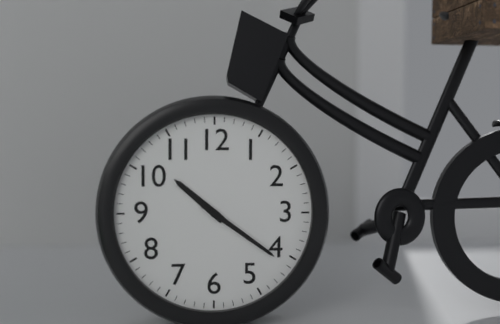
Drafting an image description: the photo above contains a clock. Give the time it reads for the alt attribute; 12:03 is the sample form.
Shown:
10:21
